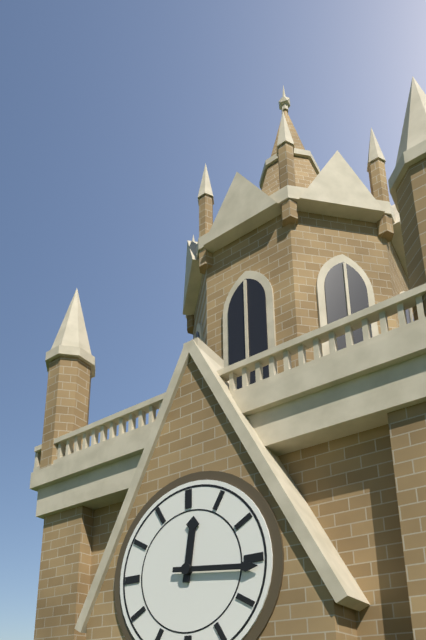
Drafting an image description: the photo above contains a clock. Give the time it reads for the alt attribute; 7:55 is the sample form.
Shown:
12:16
